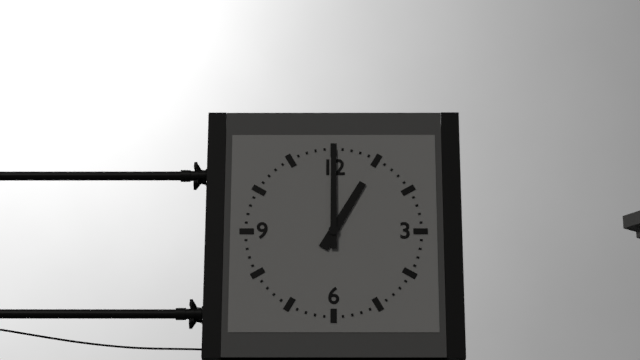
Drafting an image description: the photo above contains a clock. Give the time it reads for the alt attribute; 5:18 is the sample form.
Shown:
1:00
